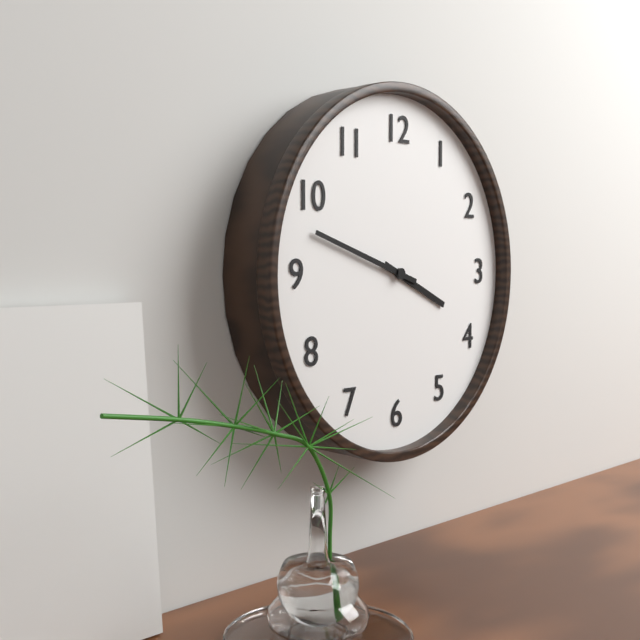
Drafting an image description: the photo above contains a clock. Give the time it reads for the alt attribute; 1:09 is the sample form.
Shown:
3:48
